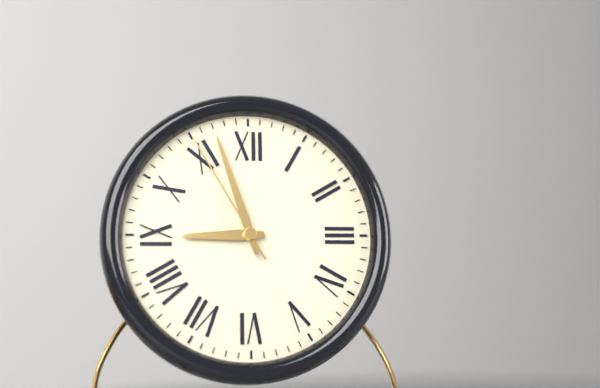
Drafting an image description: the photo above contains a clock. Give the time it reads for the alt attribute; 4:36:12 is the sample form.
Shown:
8:57:55
